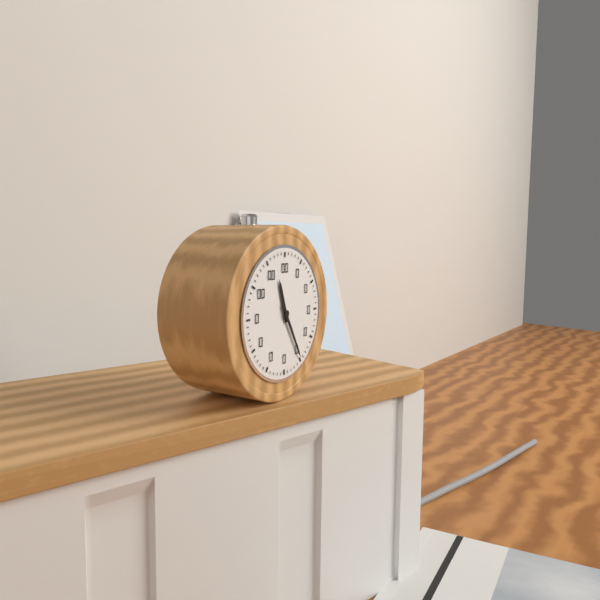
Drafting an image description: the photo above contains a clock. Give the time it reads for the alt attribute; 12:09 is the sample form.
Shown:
11:25
